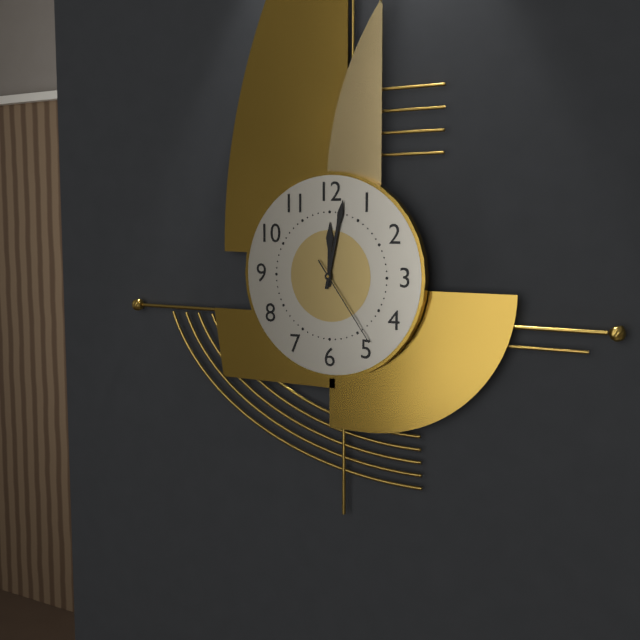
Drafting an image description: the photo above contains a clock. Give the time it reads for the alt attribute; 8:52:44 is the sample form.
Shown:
12:02:24
